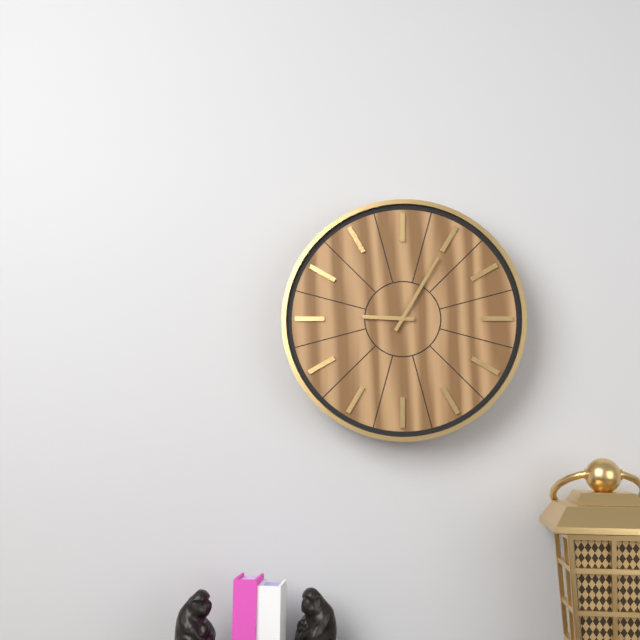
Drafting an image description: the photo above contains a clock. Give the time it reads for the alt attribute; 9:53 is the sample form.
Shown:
9:05
